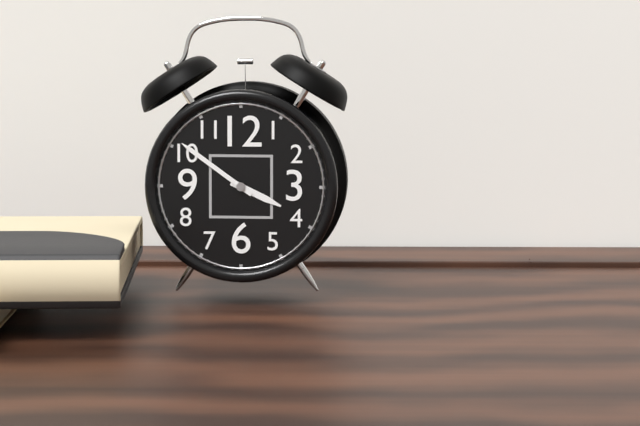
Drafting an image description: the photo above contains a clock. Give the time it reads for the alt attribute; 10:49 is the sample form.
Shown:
3:51
